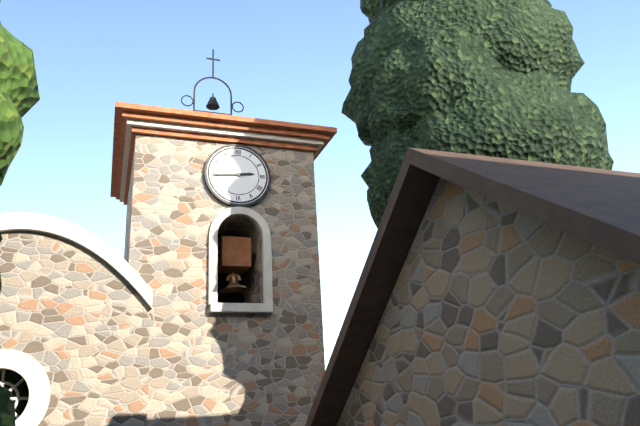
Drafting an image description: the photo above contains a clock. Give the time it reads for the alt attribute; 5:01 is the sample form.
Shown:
2:44
